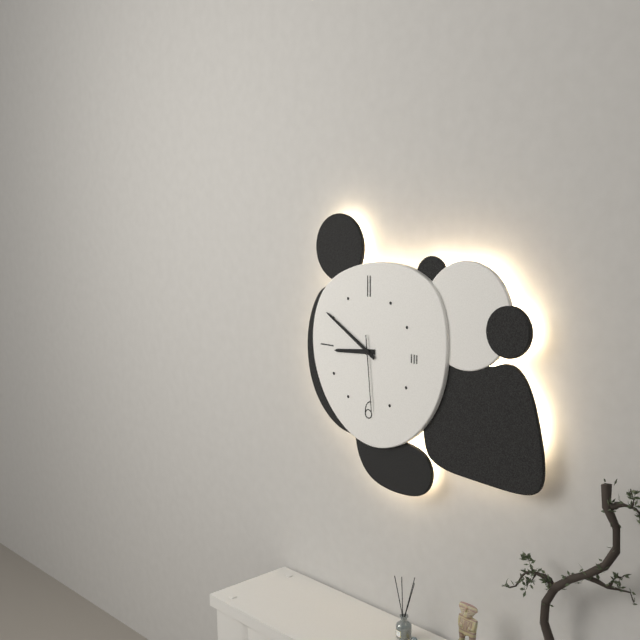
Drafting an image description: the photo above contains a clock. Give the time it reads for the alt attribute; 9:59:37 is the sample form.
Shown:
8:50:29
